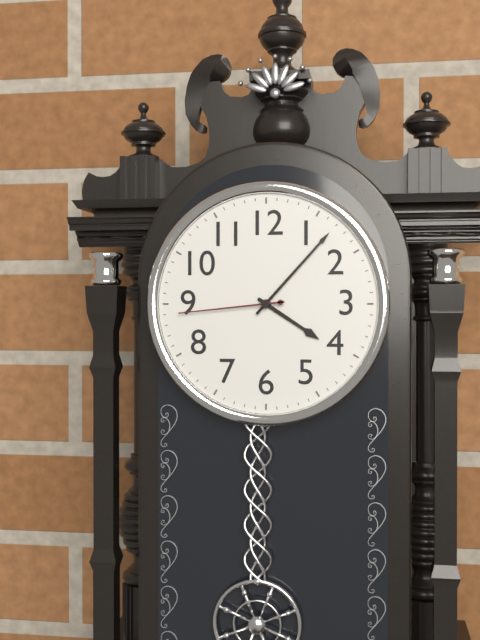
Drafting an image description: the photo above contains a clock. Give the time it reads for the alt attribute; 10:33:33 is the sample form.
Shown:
4:07:44
